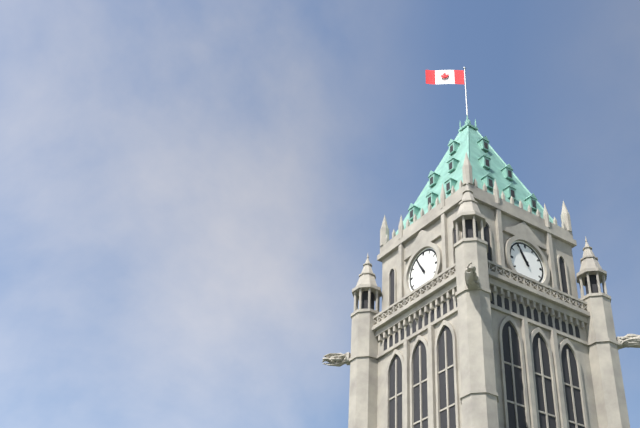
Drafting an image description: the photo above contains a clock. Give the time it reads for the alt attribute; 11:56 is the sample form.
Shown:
10:55
